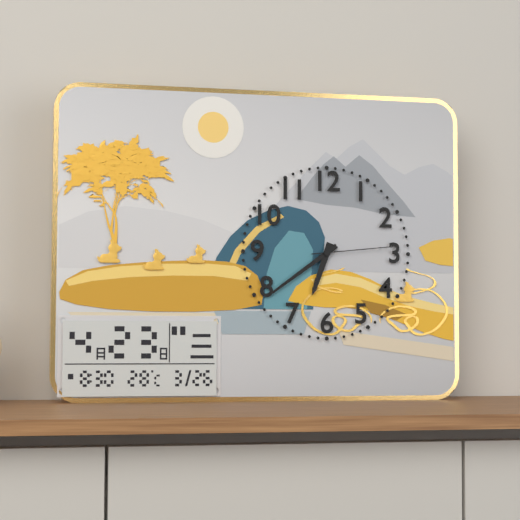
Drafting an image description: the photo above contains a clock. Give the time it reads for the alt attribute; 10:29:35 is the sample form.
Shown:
6:39:14
